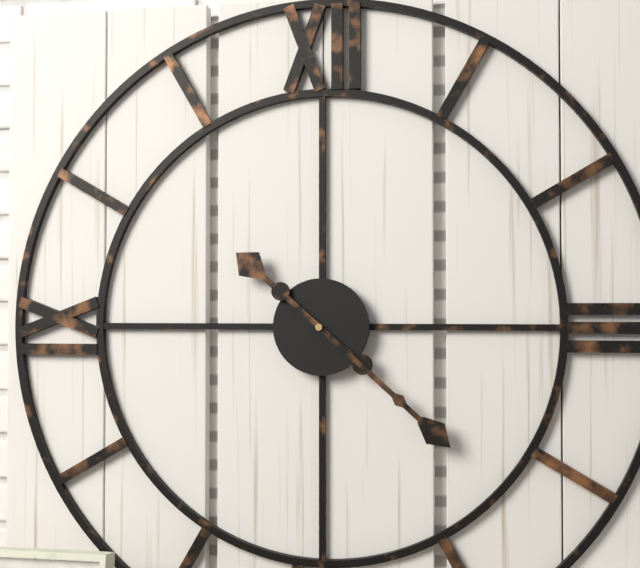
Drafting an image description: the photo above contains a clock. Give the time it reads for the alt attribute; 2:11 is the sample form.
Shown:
10:22
